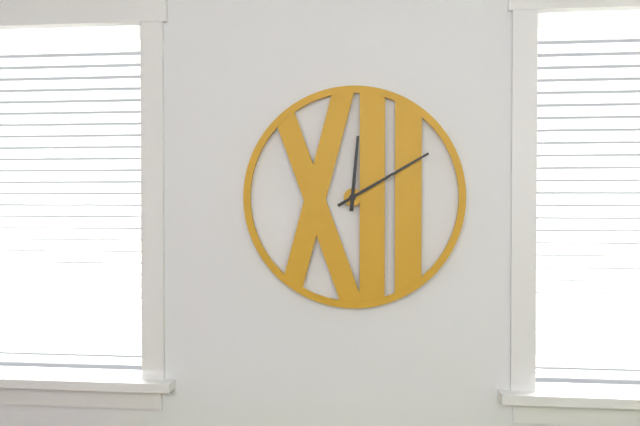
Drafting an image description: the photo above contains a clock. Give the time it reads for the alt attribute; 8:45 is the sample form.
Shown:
12:10
